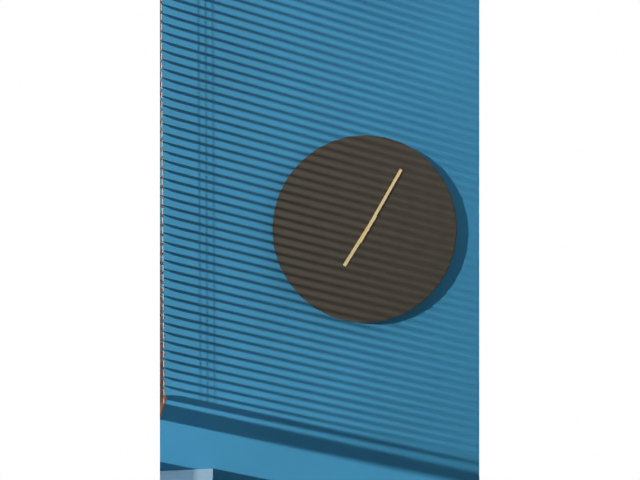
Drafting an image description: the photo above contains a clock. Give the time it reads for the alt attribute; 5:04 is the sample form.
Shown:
7:05
